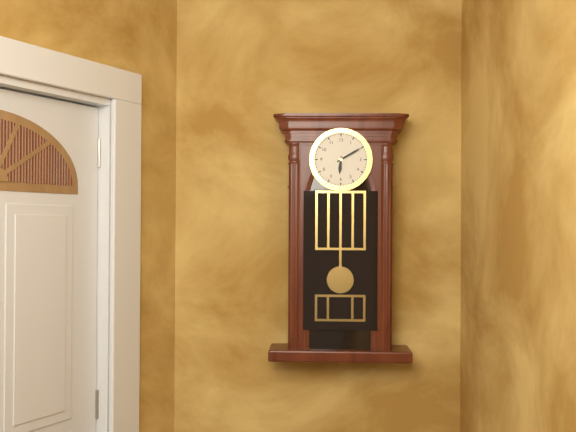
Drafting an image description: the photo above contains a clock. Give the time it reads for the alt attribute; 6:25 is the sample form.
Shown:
6:10
